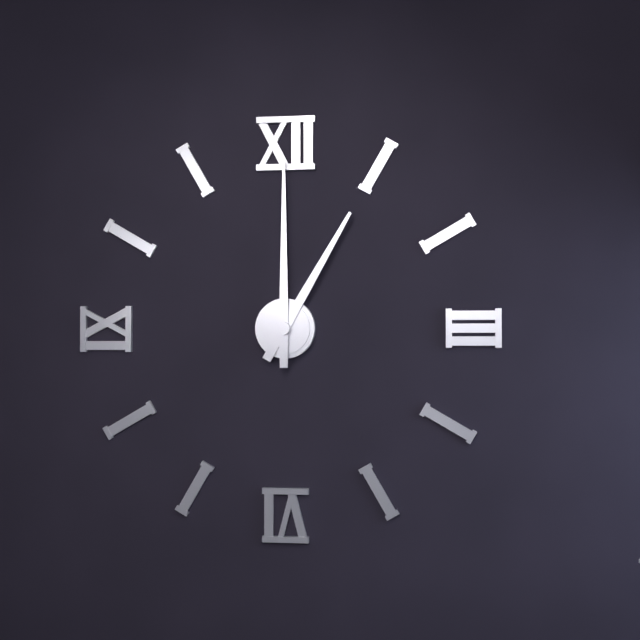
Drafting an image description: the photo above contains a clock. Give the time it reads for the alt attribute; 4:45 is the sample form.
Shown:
1:00
